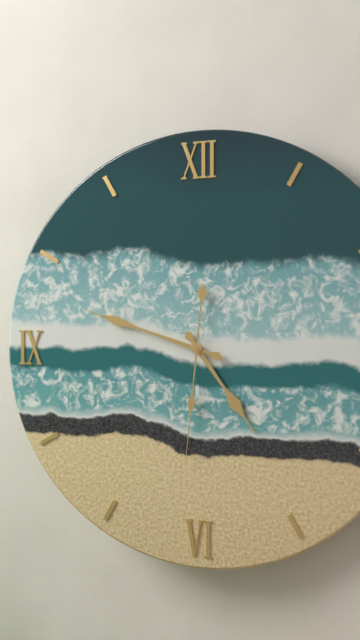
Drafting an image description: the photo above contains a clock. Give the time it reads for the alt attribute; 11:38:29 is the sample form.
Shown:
4:48:31
